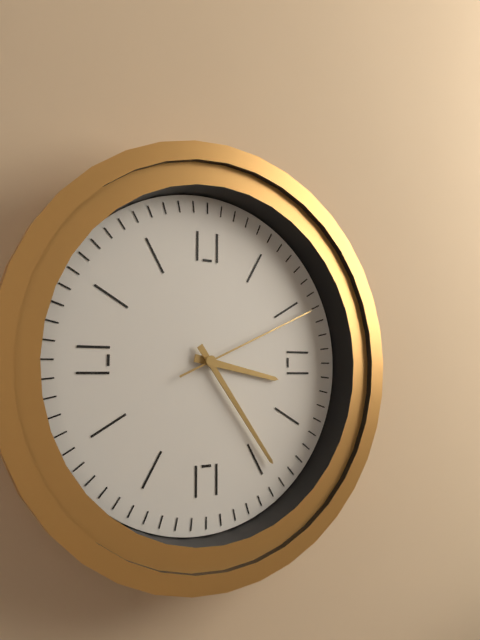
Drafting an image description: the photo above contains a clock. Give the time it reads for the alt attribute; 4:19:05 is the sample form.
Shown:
3:24:11
